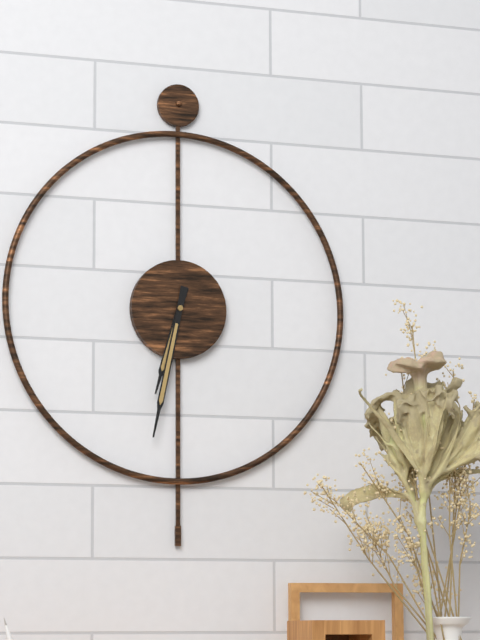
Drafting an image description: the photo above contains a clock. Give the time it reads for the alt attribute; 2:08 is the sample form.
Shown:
6:32
